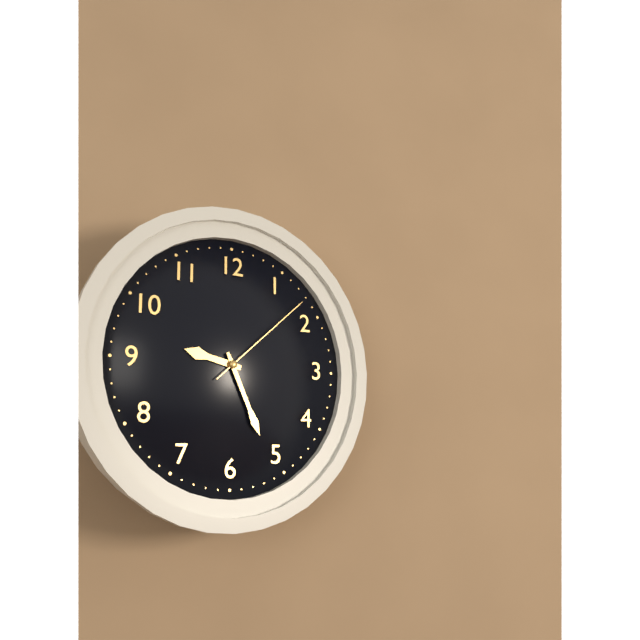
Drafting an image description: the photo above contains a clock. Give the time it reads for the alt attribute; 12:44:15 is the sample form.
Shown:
9:26:08
